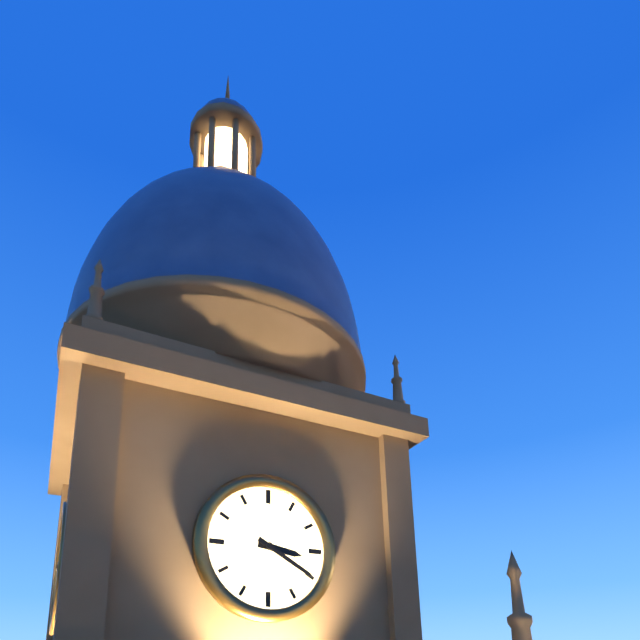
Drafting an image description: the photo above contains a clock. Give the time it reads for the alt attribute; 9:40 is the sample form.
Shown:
3:20
